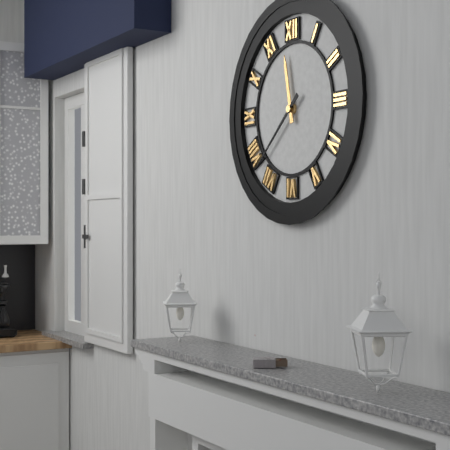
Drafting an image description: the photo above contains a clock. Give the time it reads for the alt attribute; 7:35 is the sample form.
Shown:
11:38
